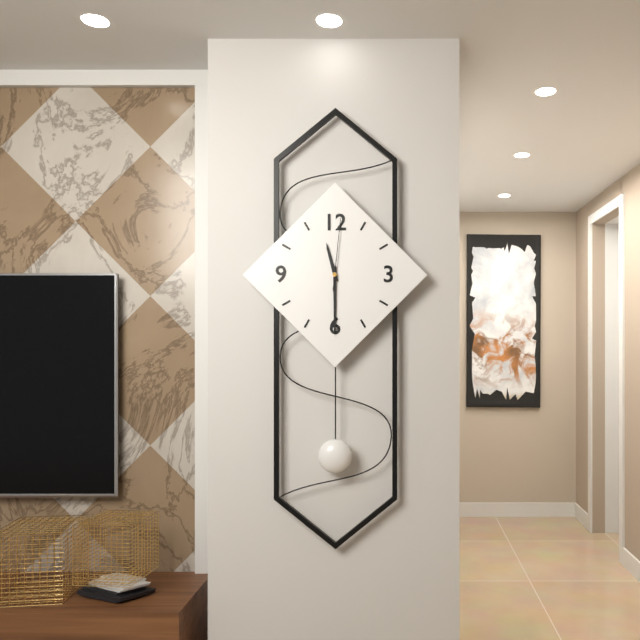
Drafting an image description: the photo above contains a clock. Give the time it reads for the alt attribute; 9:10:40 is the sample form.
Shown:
11:30:01
